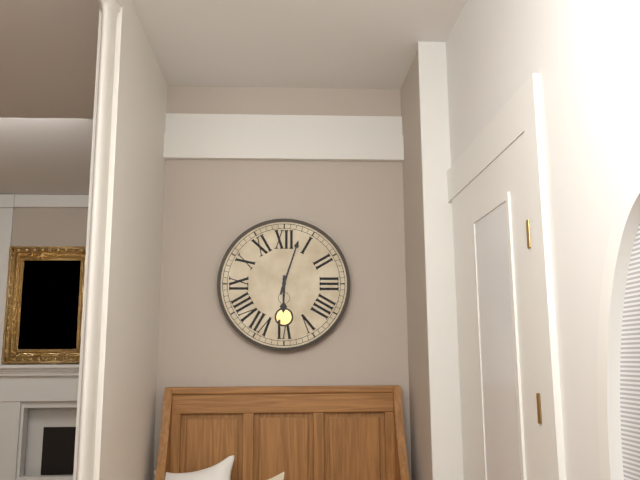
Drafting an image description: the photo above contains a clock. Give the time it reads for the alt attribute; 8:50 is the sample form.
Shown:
6:03
